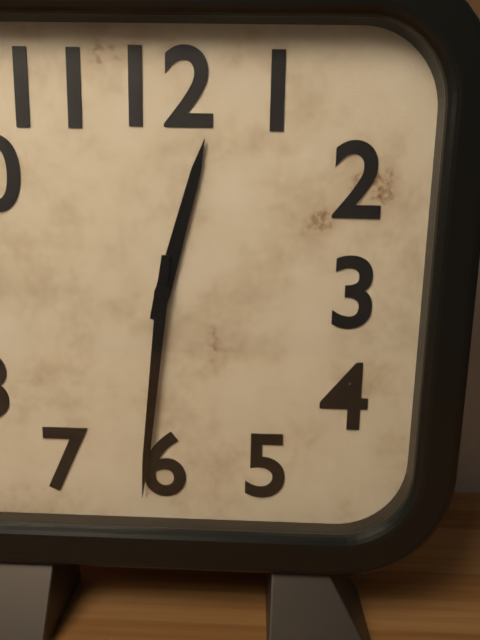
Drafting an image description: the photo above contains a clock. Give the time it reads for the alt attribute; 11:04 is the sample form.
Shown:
12:31
